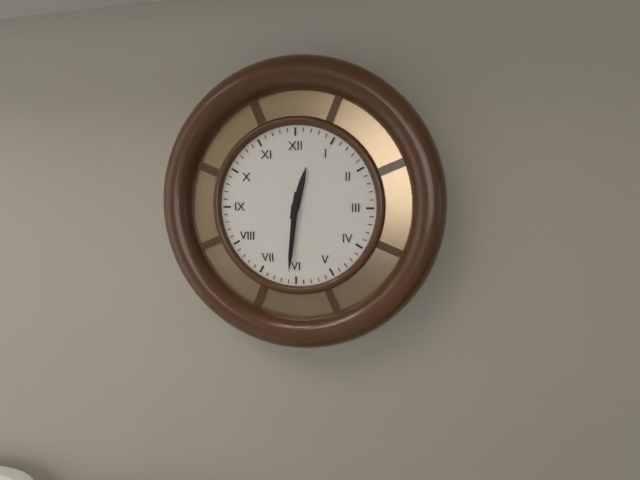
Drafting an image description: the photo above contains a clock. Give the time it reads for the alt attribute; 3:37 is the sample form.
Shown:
12:31
